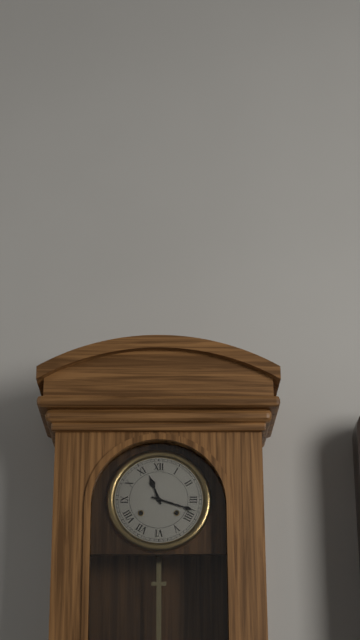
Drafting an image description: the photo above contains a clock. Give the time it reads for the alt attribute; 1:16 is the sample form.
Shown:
11:18
